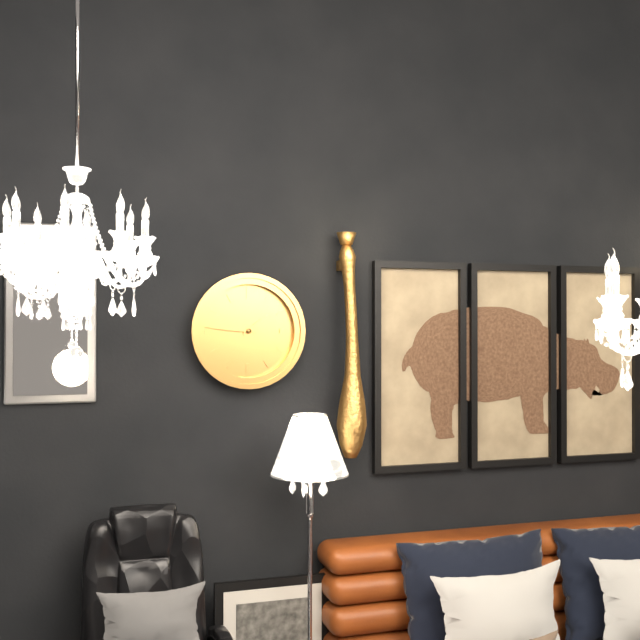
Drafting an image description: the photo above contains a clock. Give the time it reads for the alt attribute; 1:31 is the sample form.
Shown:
1:46
